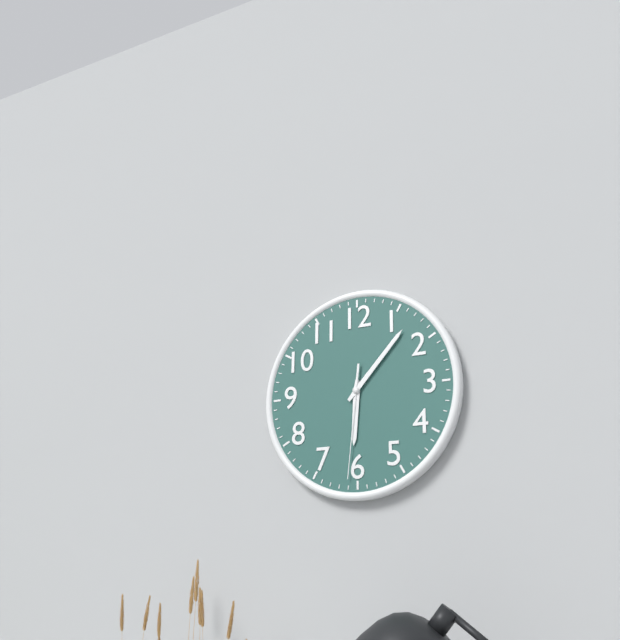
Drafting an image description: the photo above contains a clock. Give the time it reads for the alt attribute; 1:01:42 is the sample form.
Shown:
6:07:31
